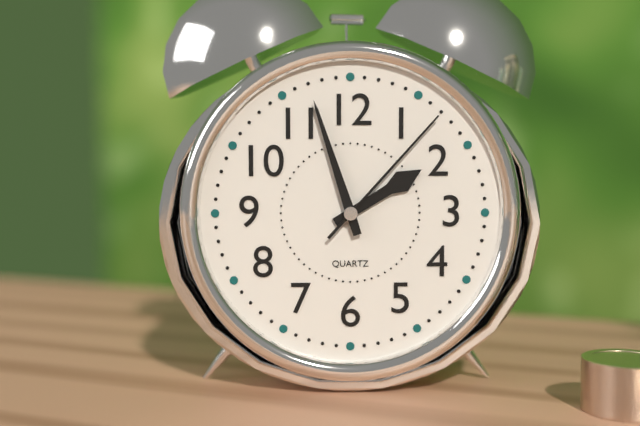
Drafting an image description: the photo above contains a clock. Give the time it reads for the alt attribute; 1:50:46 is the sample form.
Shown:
1:57:07
